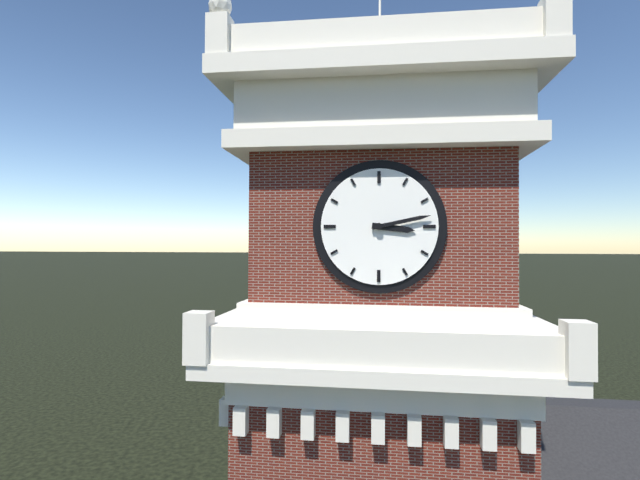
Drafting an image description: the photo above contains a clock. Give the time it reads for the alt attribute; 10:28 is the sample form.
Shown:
3:13
